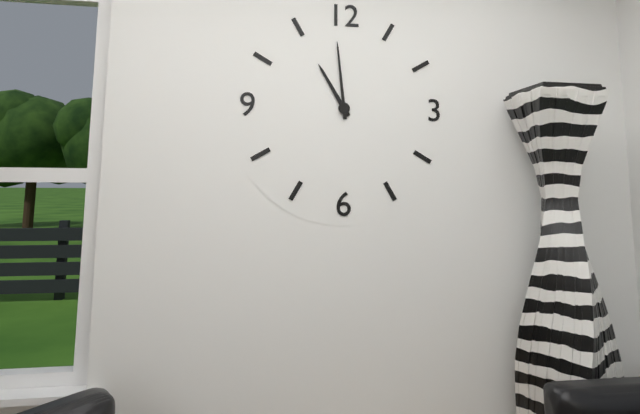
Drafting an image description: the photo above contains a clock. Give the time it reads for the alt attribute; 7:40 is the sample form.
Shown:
10:59
